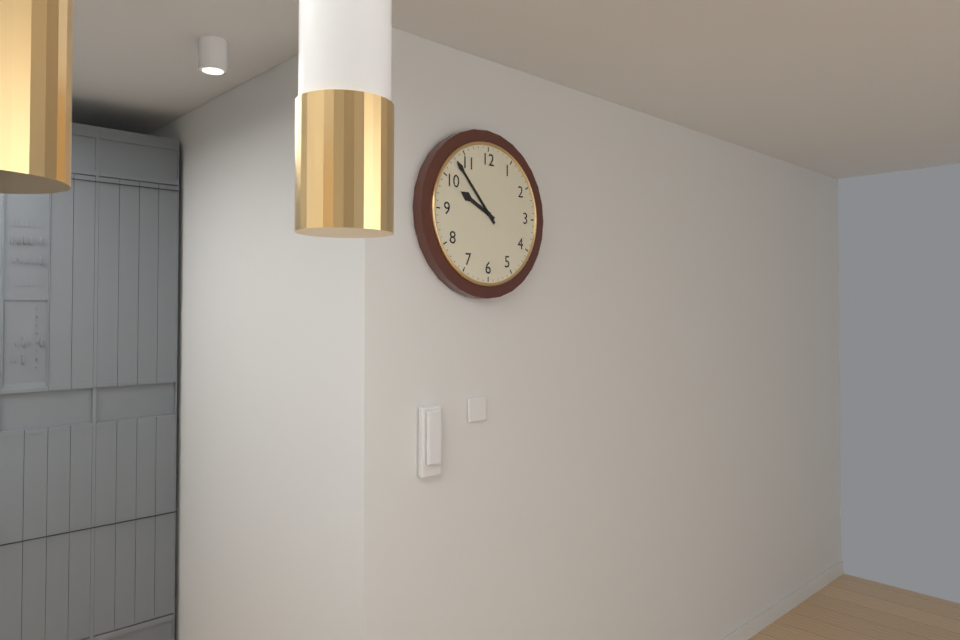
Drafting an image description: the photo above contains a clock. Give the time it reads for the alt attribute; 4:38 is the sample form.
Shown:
9:53
